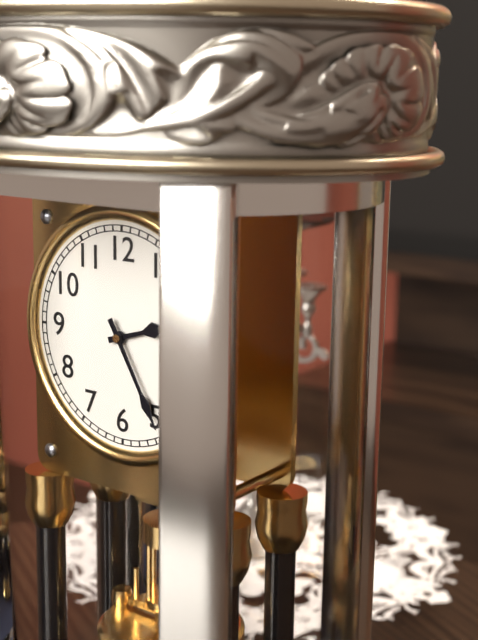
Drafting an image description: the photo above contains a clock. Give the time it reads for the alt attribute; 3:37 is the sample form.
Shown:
2:25
